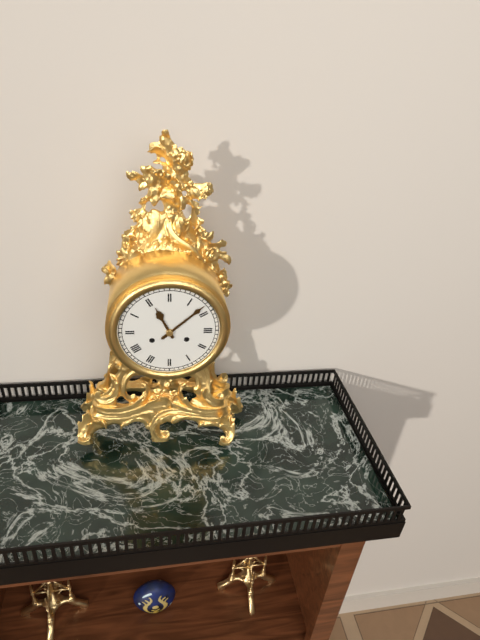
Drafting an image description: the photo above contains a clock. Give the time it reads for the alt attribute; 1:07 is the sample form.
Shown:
11:08
